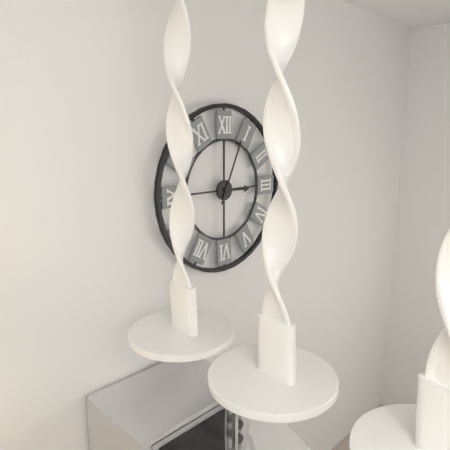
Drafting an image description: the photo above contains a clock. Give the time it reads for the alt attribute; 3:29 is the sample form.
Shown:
3:04
